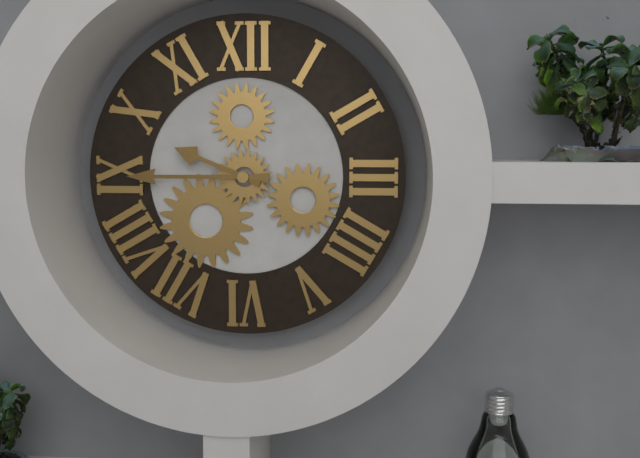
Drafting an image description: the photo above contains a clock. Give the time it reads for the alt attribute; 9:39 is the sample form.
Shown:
9:45
